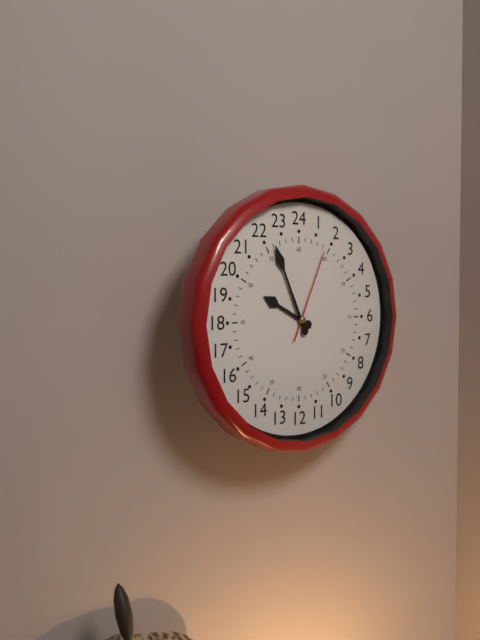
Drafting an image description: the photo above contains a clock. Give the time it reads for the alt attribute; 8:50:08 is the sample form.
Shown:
9:56:04
